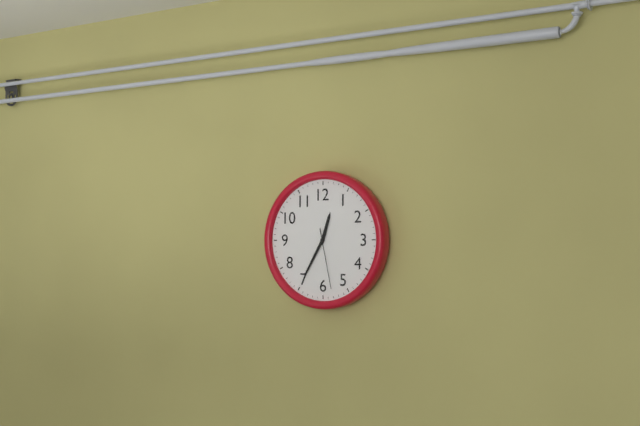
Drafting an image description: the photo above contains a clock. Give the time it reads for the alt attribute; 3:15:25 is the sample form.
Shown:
12:35:28
